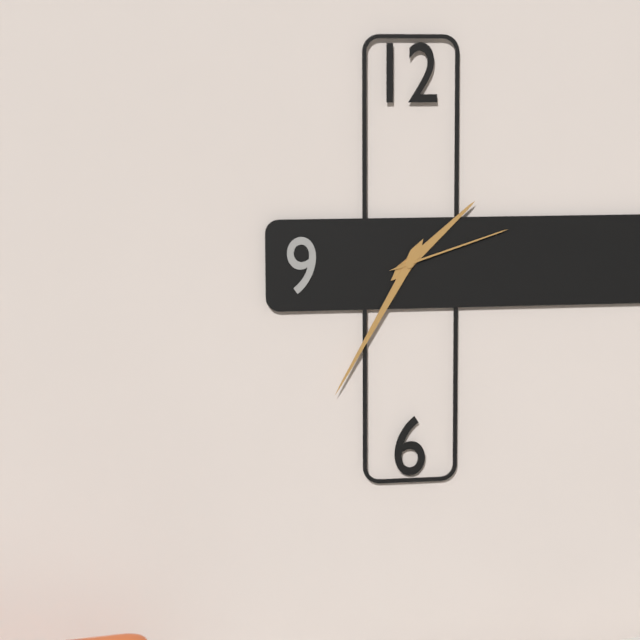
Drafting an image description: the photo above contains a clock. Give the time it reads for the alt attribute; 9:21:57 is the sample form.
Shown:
1:35:12
